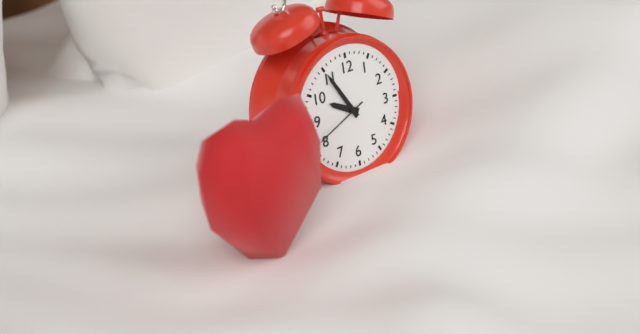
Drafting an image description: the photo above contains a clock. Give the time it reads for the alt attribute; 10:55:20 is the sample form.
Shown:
9:55:41
